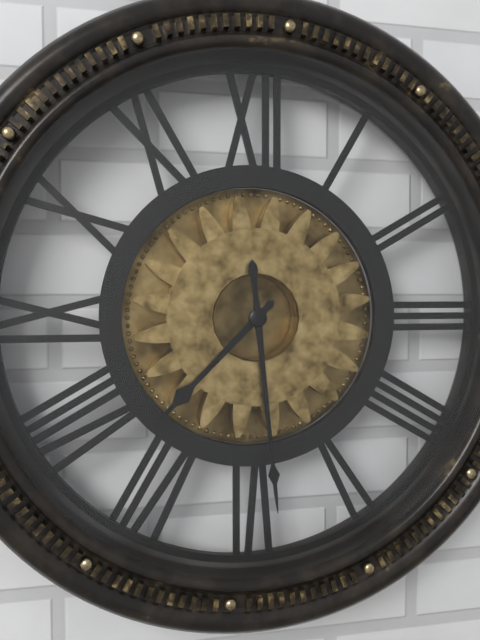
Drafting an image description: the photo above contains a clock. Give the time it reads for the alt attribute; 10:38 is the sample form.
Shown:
7:29
